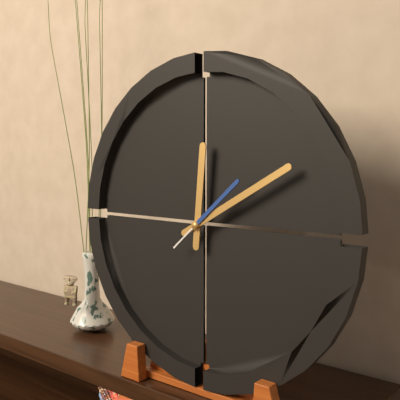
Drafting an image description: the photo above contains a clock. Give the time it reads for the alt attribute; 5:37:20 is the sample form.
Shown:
12:10:08
